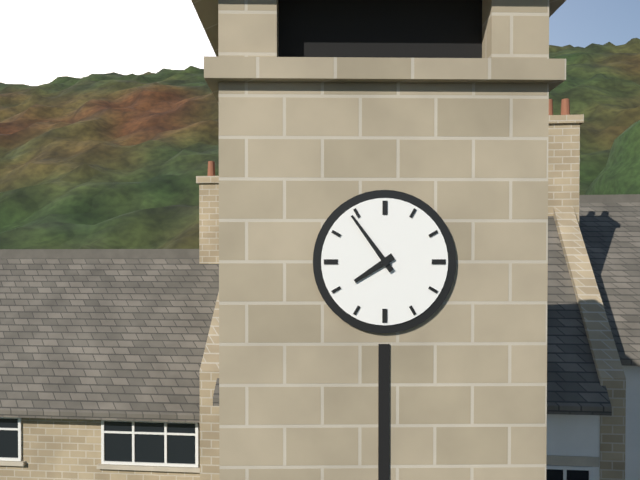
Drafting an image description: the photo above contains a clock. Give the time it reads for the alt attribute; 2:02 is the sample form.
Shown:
7:54
